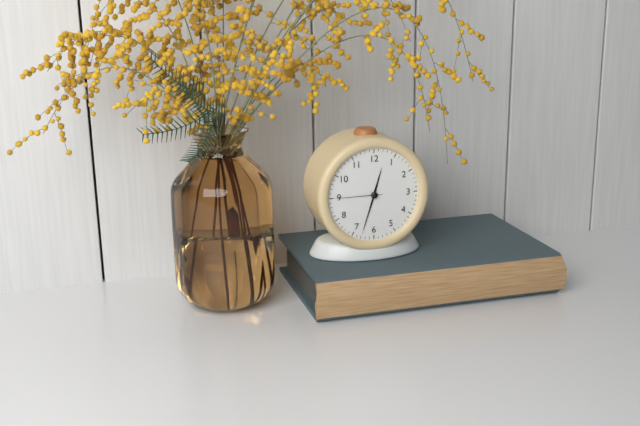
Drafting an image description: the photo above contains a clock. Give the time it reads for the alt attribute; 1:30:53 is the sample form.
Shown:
12:33:45
